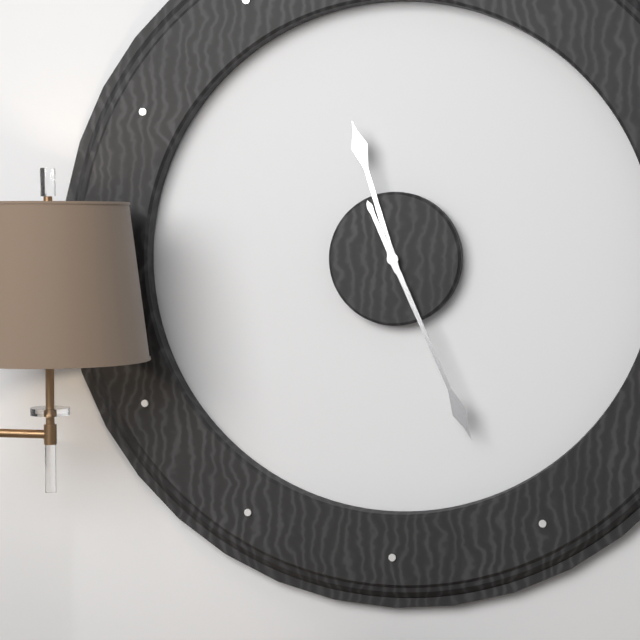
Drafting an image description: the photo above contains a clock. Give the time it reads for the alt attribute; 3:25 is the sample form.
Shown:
11:26
